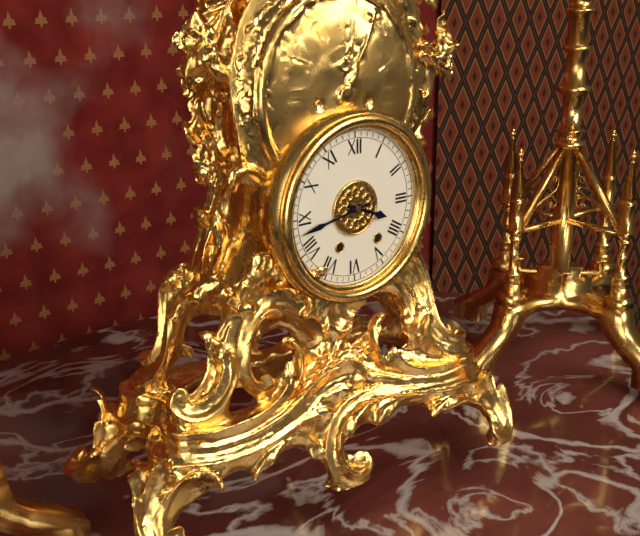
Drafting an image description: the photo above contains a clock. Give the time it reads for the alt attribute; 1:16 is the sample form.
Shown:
3:43
